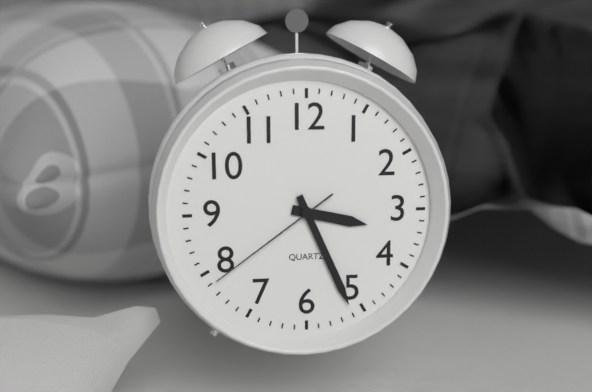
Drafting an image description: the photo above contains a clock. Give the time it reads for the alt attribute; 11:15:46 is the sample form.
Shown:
3:26:39
